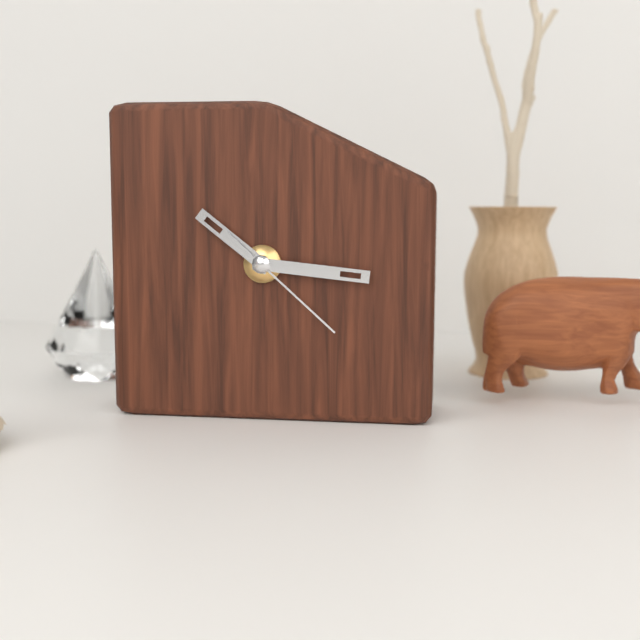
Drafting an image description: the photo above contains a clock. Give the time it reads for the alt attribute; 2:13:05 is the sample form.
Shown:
10:16:22
